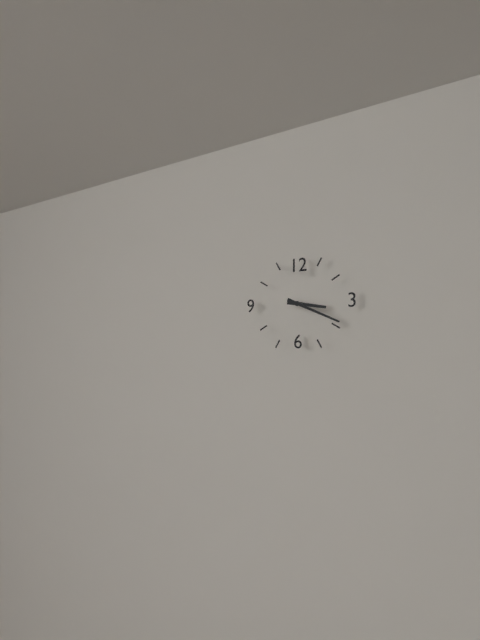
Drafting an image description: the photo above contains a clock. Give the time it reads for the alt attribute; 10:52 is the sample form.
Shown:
3:19
